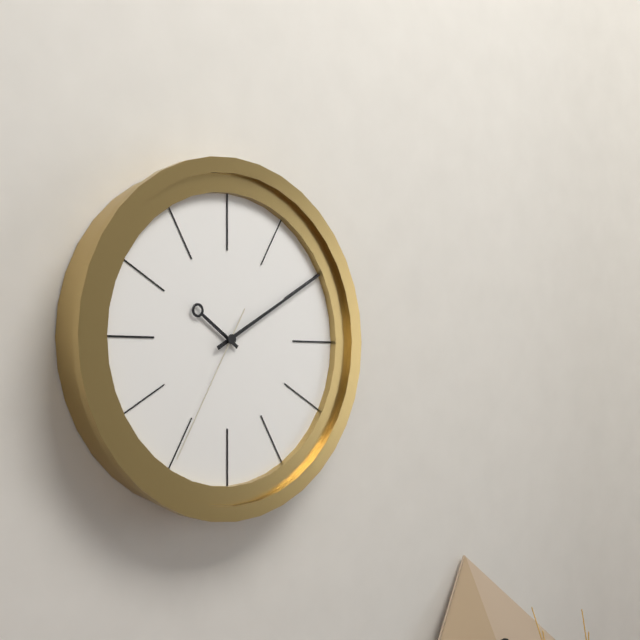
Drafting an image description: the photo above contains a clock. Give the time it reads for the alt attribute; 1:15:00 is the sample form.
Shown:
10:10:35
